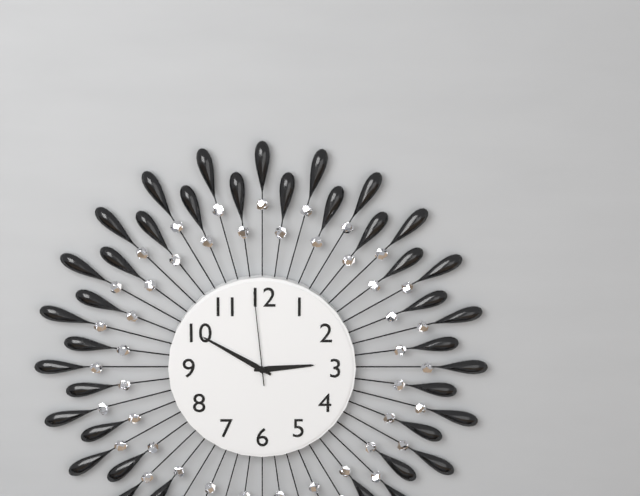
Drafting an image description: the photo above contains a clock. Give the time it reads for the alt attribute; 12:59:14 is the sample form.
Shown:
2:50:59
